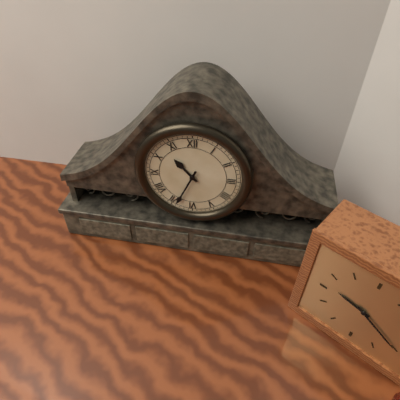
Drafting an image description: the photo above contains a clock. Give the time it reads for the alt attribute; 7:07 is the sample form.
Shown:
10:34
